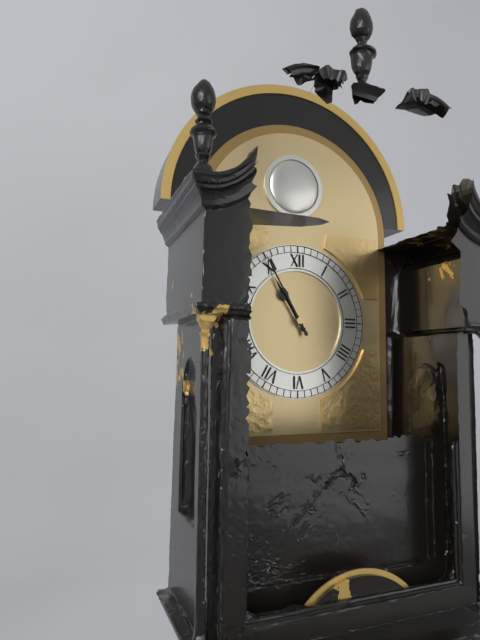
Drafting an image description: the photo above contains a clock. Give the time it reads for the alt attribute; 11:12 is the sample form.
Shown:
10:55
